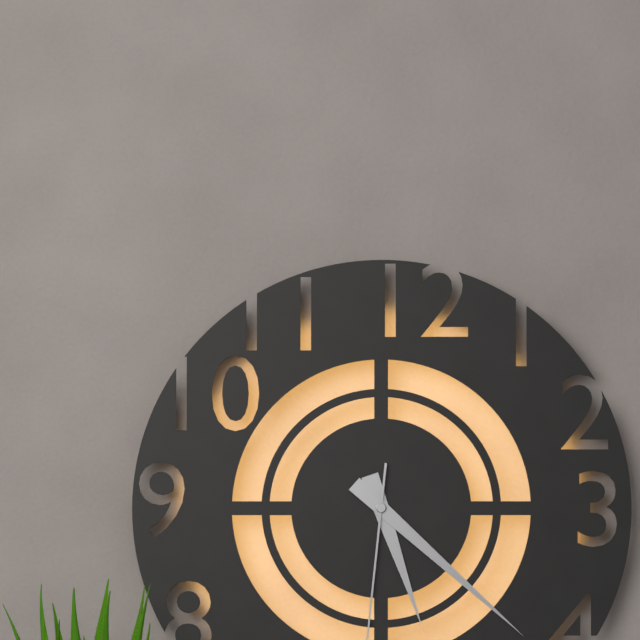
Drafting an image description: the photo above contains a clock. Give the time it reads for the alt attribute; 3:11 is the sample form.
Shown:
5:22
